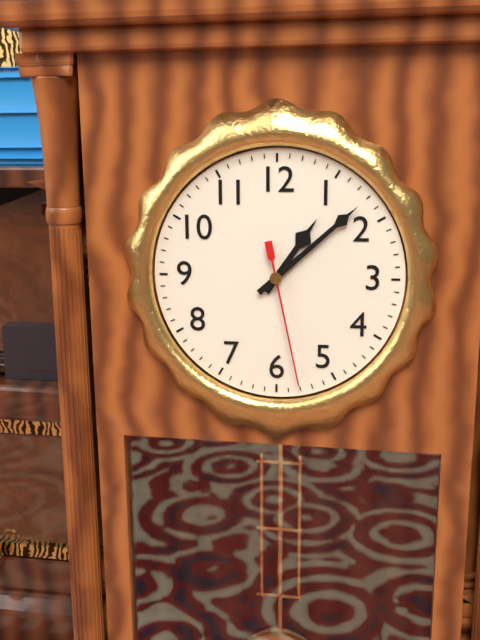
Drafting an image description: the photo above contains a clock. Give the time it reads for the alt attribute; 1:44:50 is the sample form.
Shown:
1:08:28
